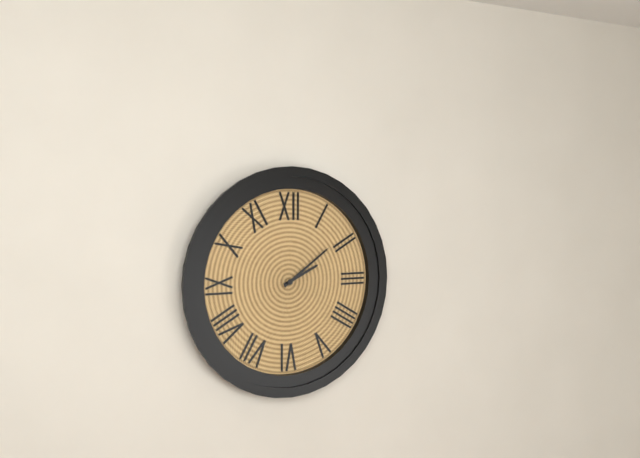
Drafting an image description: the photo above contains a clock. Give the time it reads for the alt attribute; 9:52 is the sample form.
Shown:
2:09
